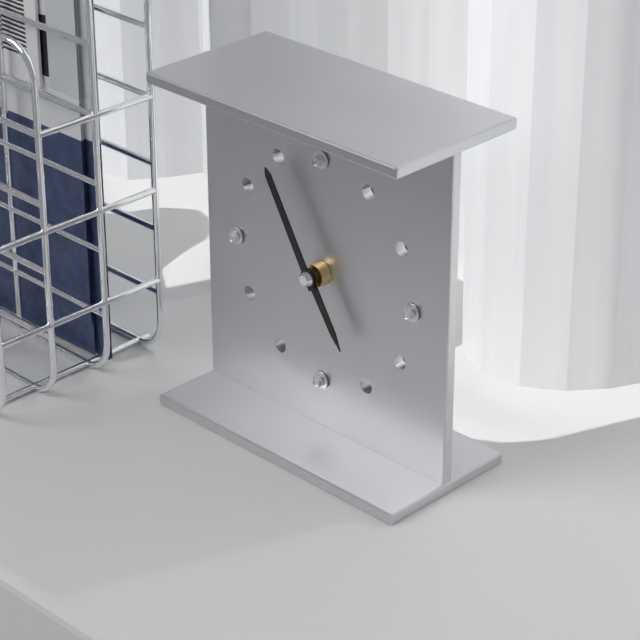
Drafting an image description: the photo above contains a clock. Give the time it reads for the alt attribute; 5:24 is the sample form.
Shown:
4:55
